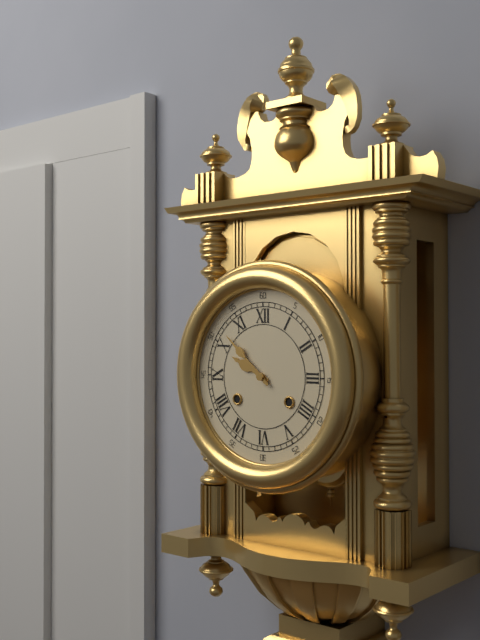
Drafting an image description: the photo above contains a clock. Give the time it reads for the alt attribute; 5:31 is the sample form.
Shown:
9:52
